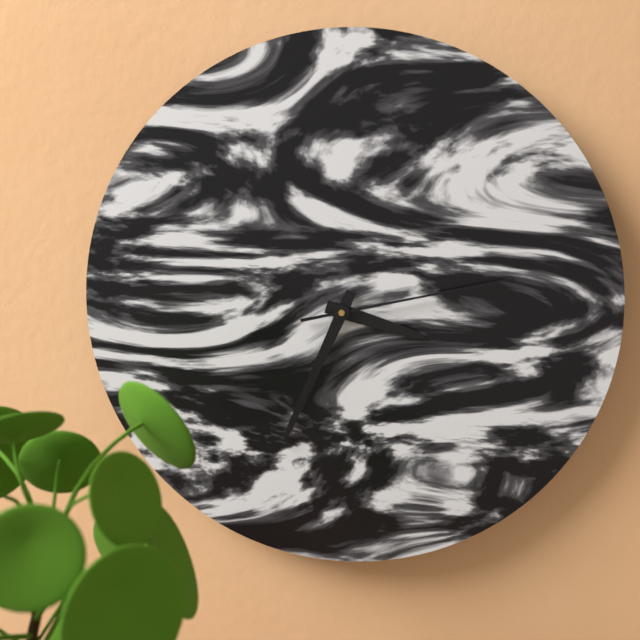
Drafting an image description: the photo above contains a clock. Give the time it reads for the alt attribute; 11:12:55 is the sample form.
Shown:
3:34:13
